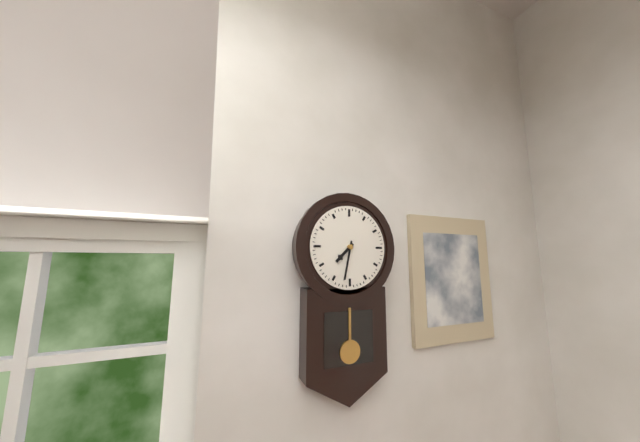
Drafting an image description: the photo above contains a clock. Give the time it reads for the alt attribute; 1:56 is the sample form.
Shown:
7:32
